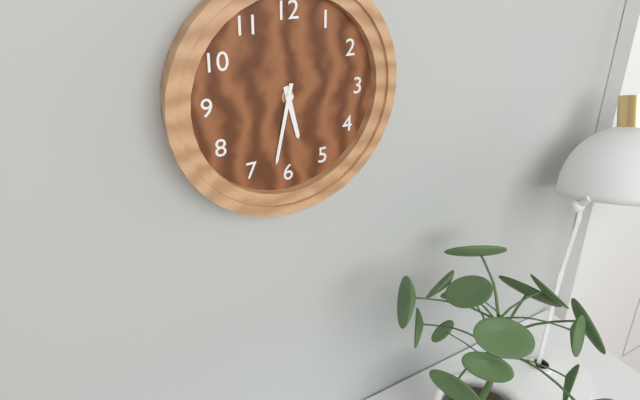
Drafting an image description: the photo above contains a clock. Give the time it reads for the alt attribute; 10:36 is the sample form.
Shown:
5:32
